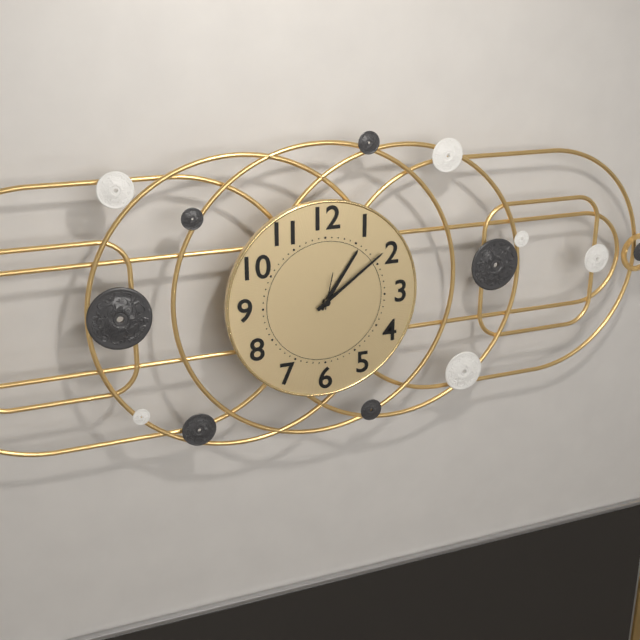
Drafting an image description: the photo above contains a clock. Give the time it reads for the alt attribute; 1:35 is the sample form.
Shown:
1:09
